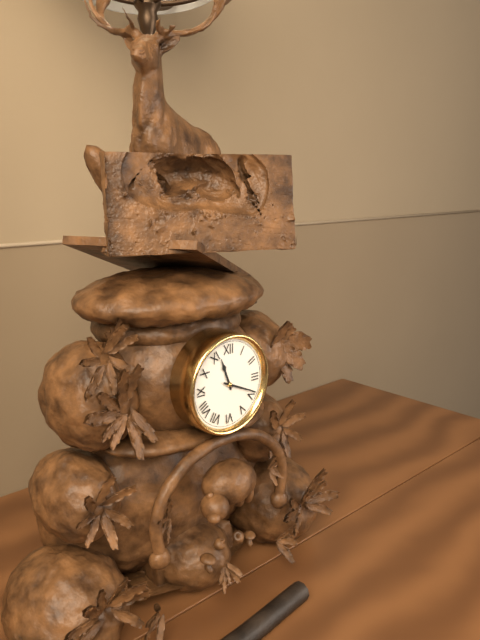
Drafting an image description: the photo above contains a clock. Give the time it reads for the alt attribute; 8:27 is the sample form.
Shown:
11:19
